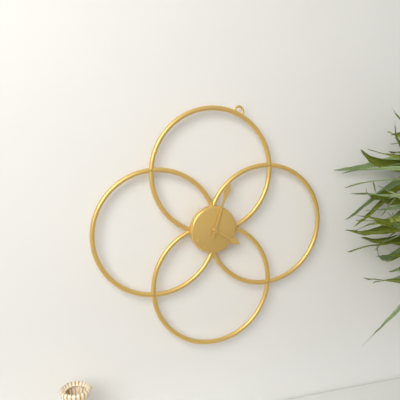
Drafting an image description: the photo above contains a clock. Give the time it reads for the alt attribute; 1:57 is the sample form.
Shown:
4:03
